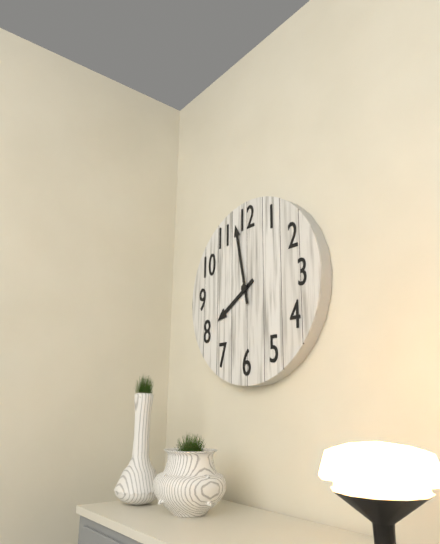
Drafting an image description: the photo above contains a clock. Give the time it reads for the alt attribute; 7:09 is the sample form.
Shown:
7:58
